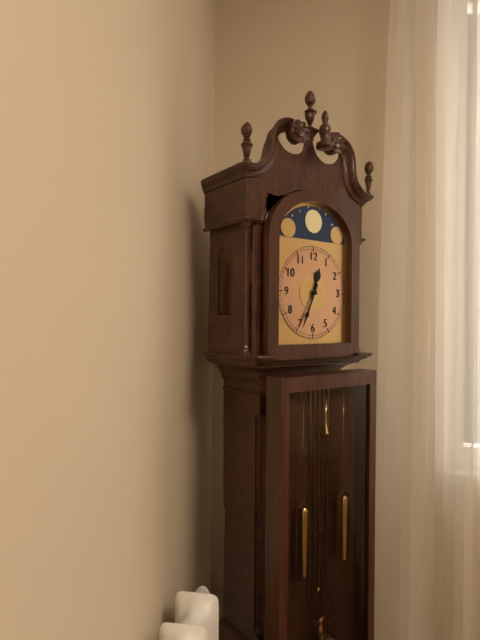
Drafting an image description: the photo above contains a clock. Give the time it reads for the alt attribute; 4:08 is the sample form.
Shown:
12:34
